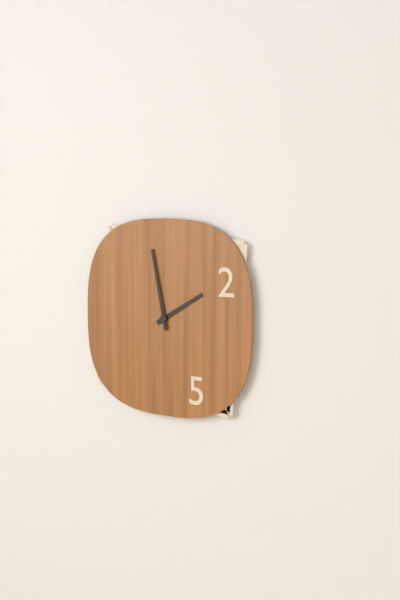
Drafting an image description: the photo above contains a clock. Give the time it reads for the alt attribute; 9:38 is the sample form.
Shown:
1:58
